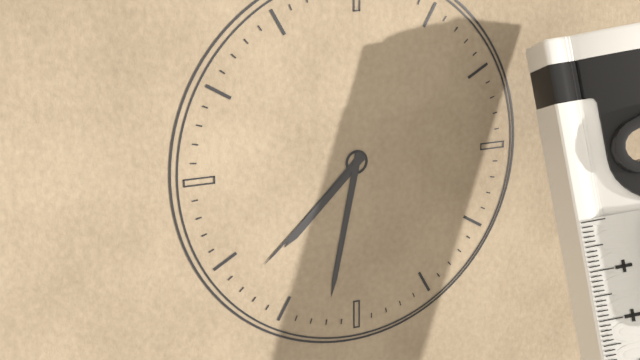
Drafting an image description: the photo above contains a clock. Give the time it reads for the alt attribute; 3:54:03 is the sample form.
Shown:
7:32:38
